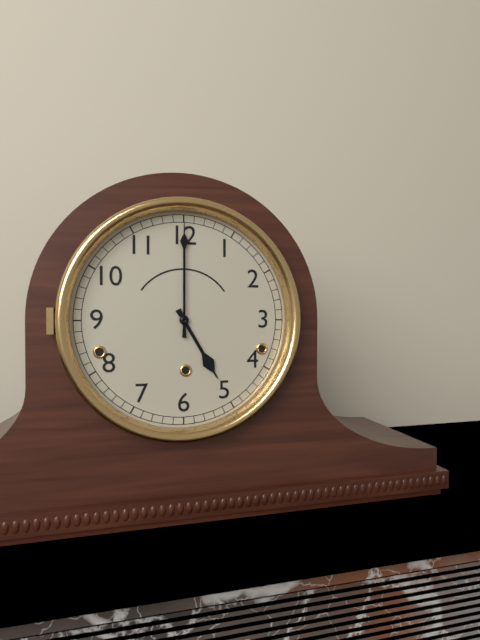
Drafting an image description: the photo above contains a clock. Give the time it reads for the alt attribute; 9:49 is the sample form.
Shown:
5:00
